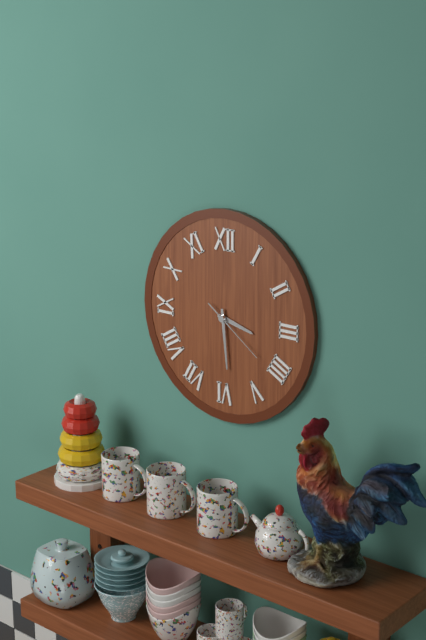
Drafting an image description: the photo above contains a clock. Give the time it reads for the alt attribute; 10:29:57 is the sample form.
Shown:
3:29:21
